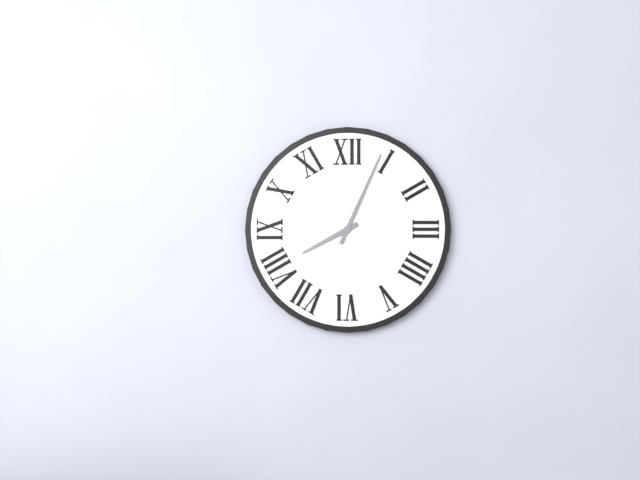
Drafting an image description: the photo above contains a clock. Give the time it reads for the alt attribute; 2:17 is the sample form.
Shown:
8:04
